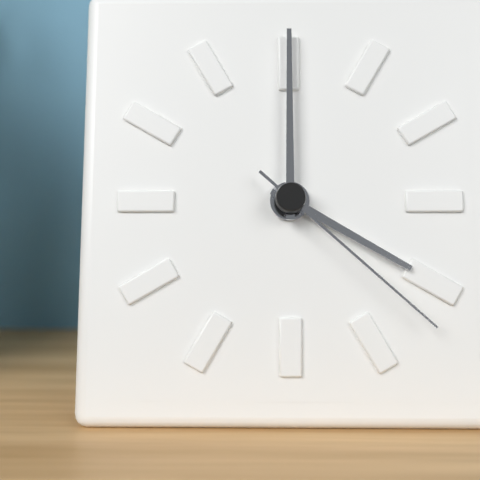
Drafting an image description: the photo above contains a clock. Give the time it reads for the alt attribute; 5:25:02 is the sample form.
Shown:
4:00:22
